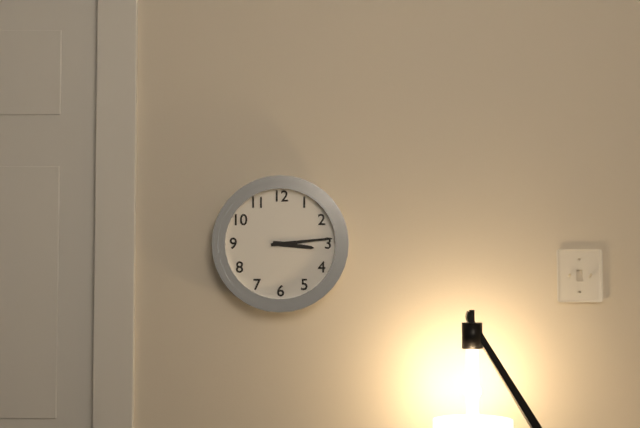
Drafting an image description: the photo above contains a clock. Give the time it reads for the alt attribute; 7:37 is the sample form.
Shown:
3:14
